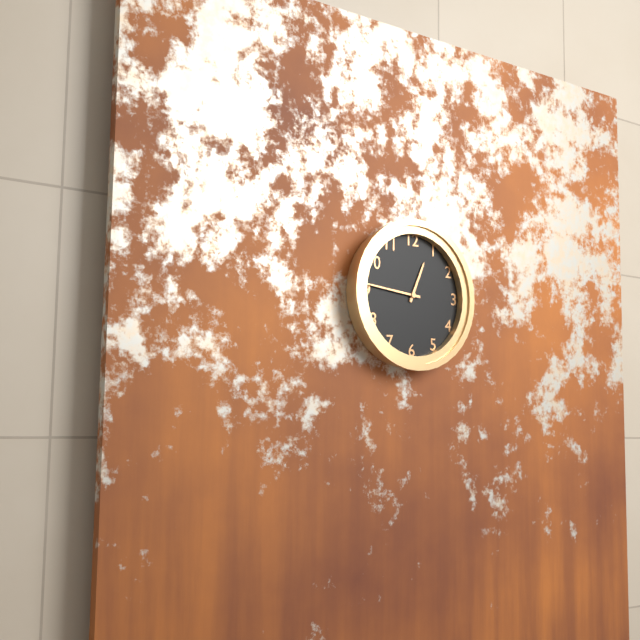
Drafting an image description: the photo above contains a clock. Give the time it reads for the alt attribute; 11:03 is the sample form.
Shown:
12:46
